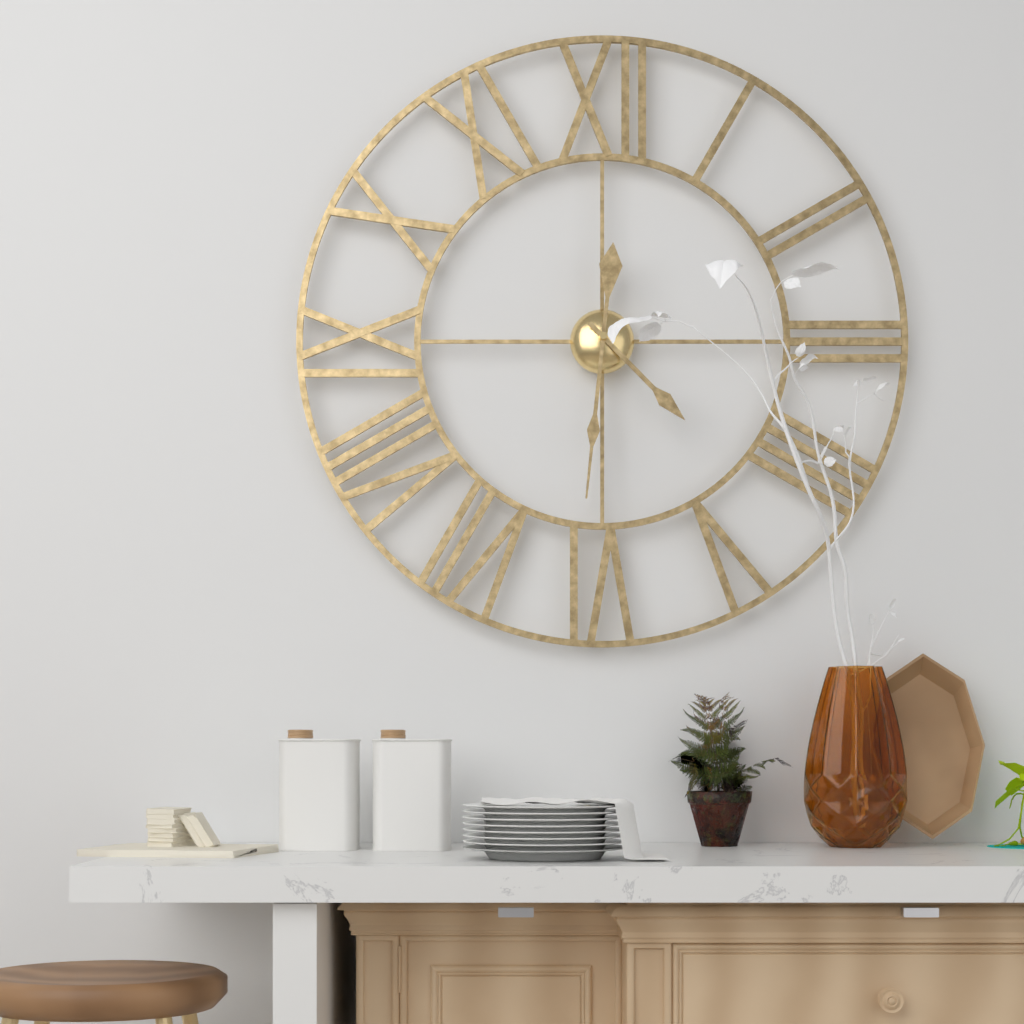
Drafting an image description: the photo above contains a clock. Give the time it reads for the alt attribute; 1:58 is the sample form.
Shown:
4:31
